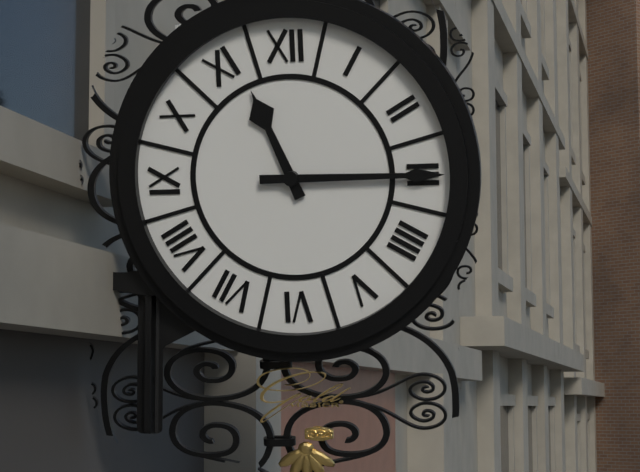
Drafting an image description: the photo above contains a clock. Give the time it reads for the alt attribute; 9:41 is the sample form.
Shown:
11:15
